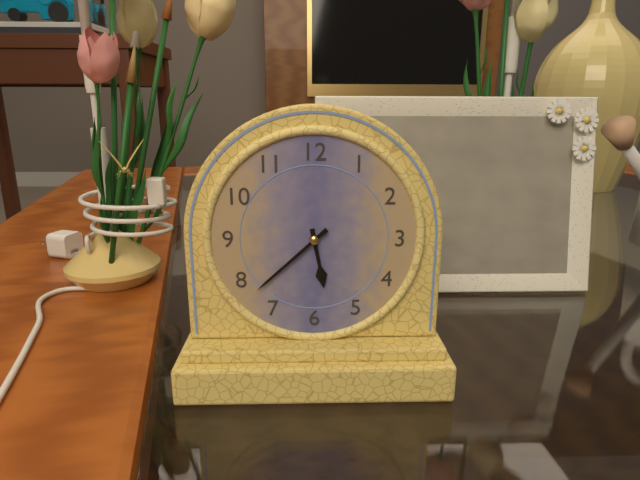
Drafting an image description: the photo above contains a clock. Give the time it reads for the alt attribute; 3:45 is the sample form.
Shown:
5:38
